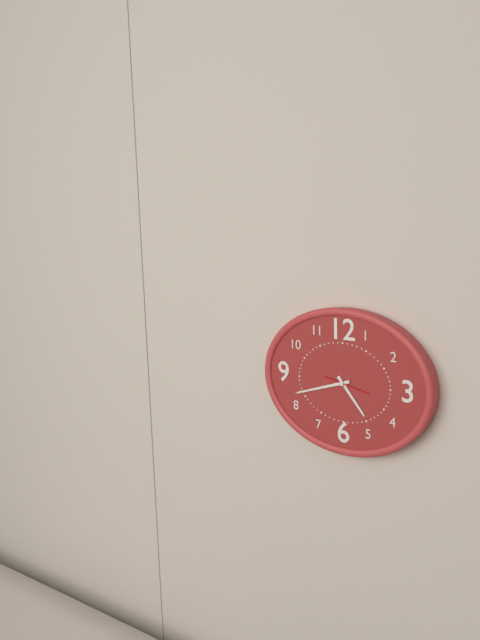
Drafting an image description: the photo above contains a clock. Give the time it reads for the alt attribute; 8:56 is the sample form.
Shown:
4:42
